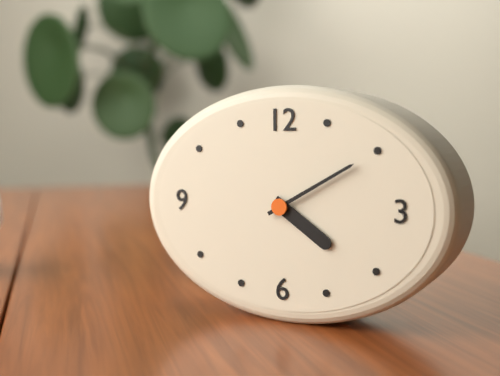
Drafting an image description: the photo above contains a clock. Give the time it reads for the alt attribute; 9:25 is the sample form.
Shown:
4:10
